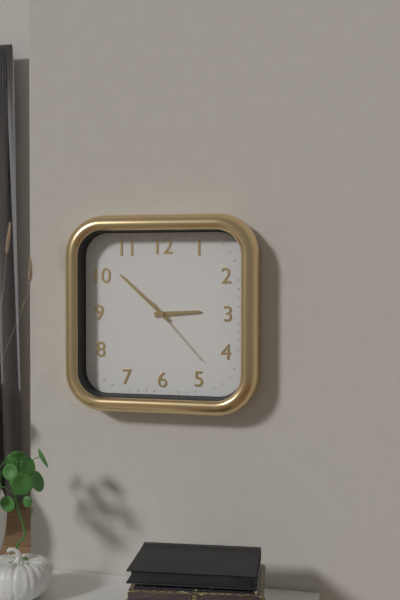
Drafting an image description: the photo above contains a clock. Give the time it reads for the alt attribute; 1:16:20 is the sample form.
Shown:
2:52:23
